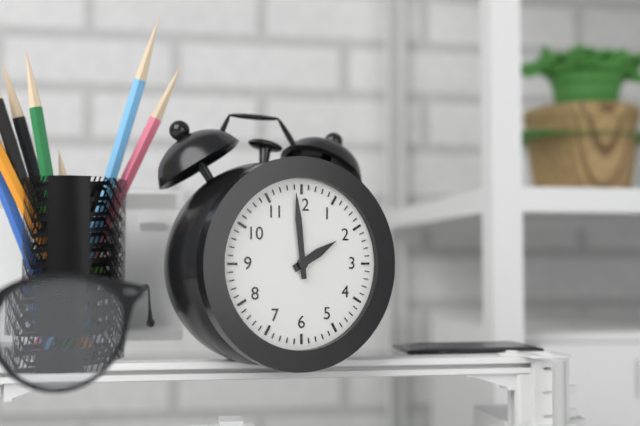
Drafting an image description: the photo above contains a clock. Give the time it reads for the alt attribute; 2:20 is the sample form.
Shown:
1:59
